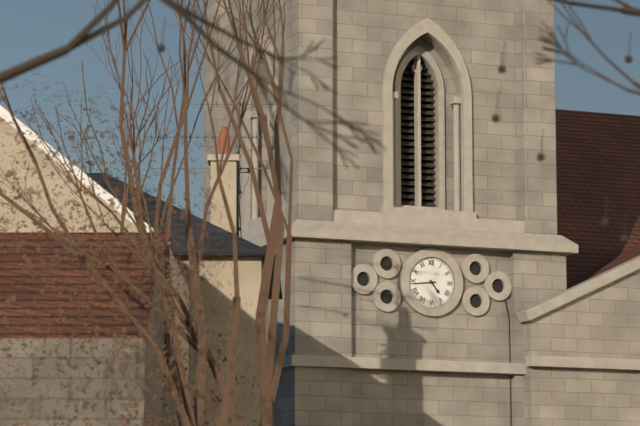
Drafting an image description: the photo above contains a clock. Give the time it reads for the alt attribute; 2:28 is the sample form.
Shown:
4:44
